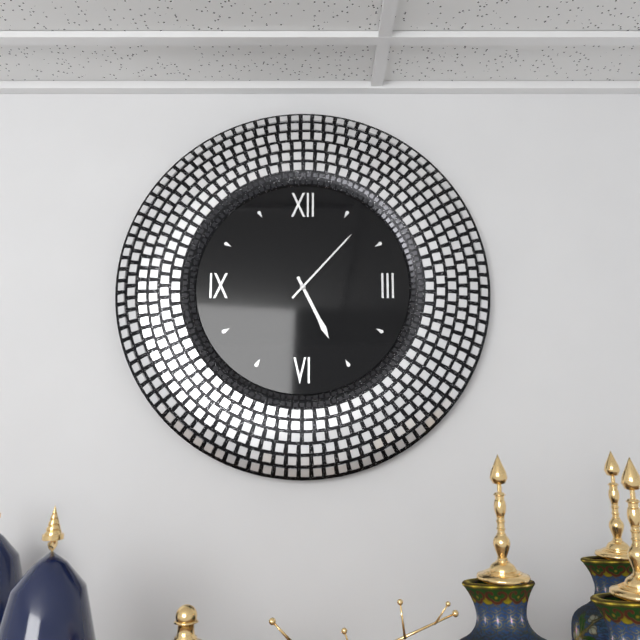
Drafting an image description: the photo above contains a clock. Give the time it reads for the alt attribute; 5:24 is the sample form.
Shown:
5:07
